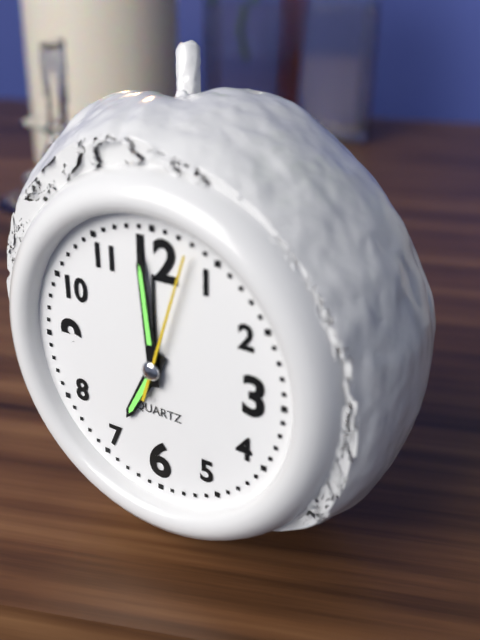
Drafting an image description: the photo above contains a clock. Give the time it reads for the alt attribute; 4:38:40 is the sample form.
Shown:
6:59:03
